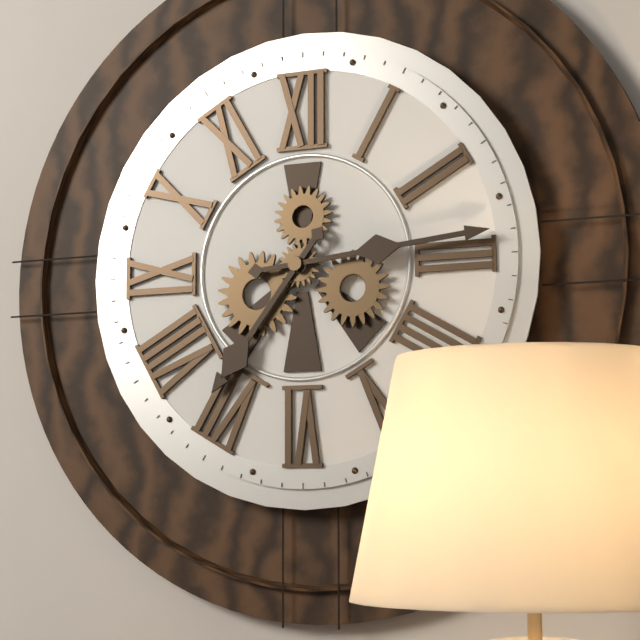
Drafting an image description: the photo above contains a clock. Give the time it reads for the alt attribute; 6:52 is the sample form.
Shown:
7:14
